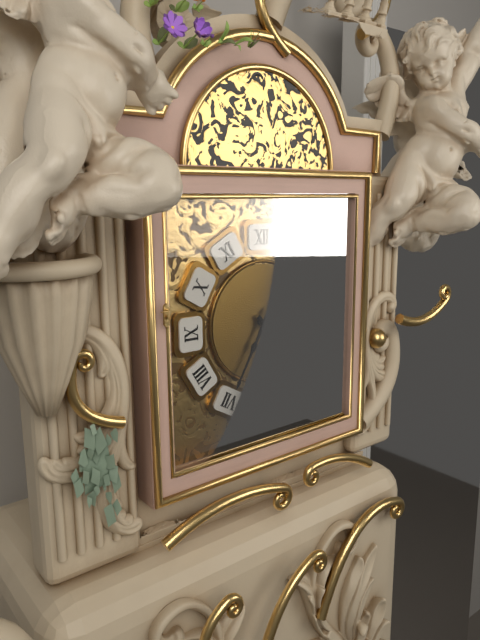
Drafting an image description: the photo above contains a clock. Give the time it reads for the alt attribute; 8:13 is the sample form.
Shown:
4:35
